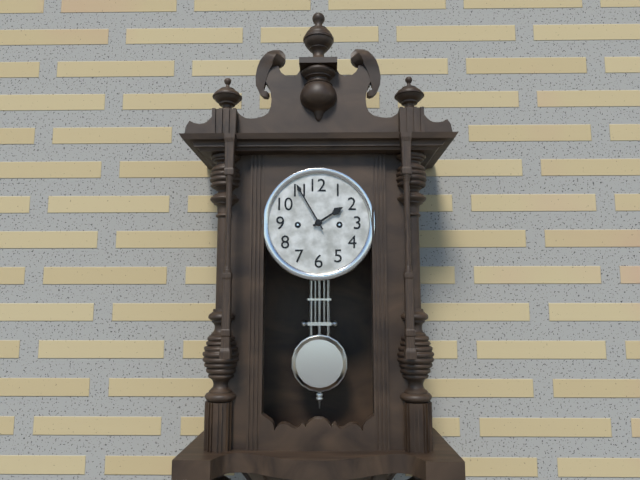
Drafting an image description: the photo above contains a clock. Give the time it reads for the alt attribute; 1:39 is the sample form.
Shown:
1:55
